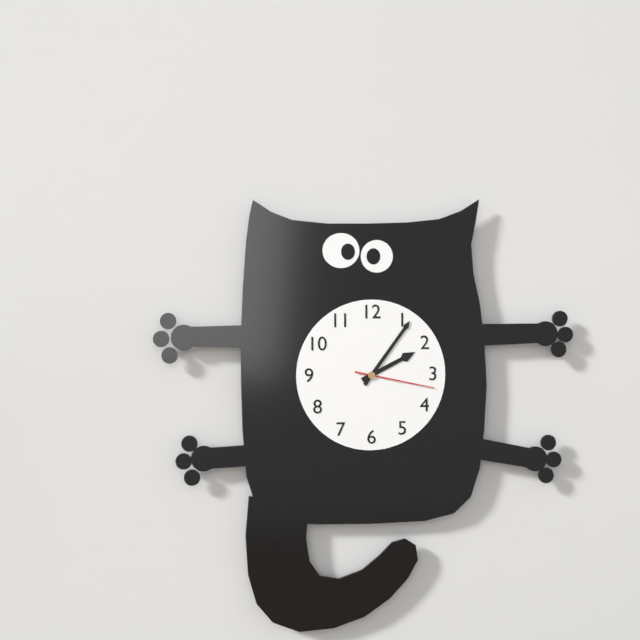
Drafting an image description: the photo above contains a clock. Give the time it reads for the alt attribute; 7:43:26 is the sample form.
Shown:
2:06:17
